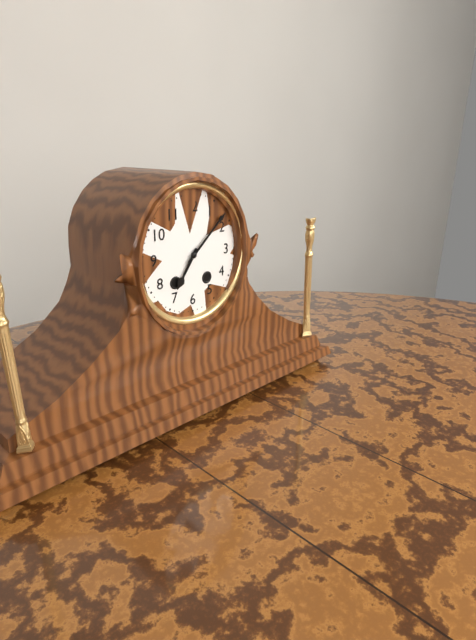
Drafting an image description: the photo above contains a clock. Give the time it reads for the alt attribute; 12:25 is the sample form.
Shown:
7:08
